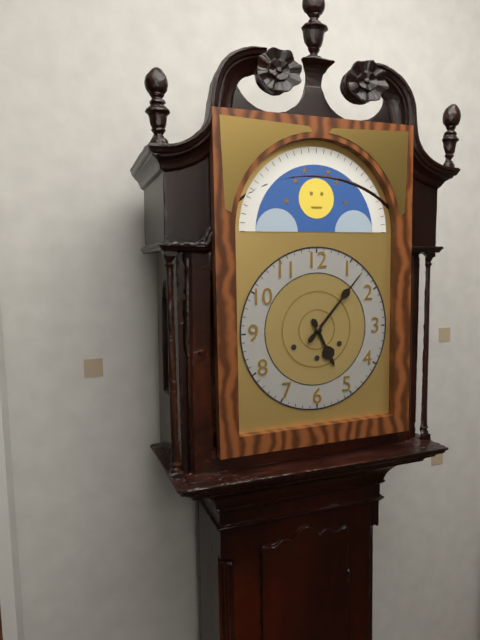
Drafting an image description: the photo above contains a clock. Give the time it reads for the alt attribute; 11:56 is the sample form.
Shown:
5:07
